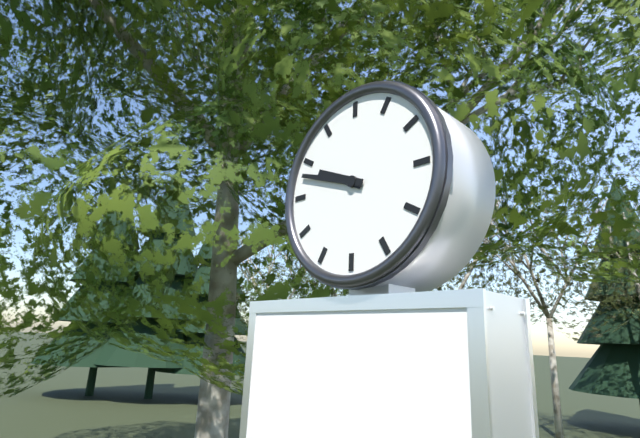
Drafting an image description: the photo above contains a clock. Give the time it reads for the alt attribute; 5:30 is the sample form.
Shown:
9:48
